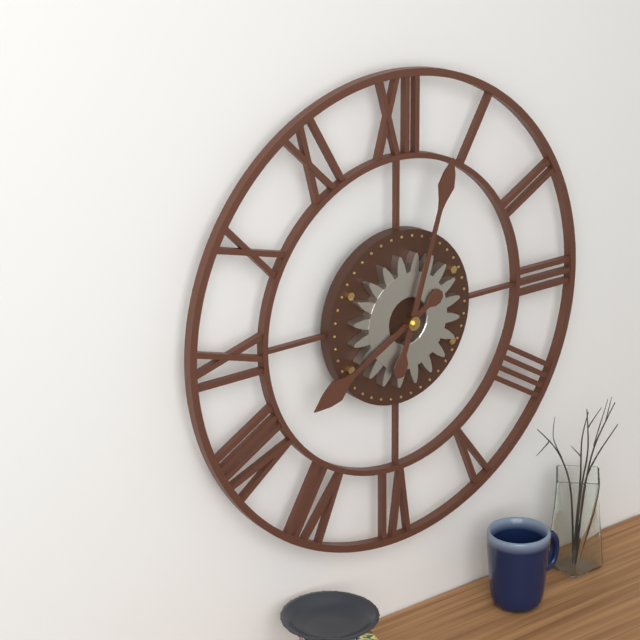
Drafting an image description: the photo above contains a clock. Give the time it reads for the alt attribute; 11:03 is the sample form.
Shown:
8:03
